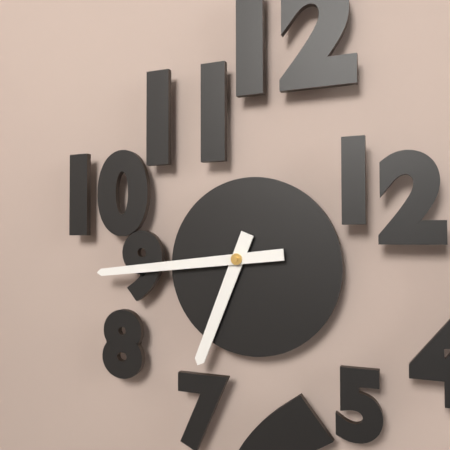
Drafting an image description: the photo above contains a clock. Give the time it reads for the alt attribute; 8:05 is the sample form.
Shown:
6:44
